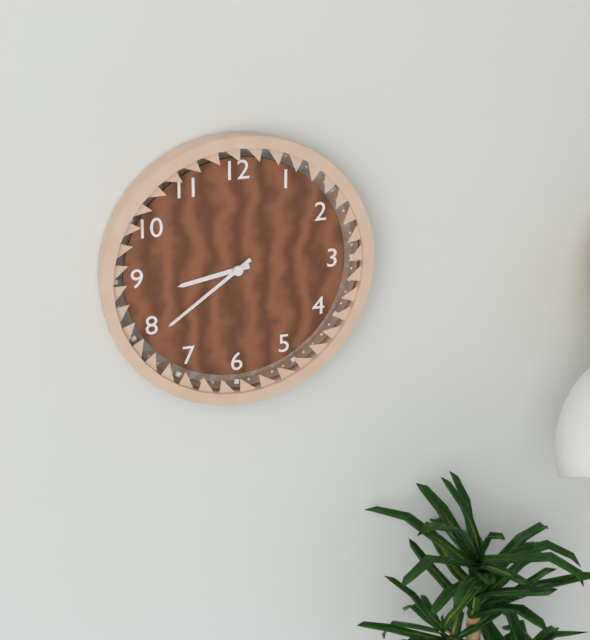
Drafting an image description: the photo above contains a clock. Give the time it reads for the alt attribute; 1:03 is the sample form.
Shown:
8:39
